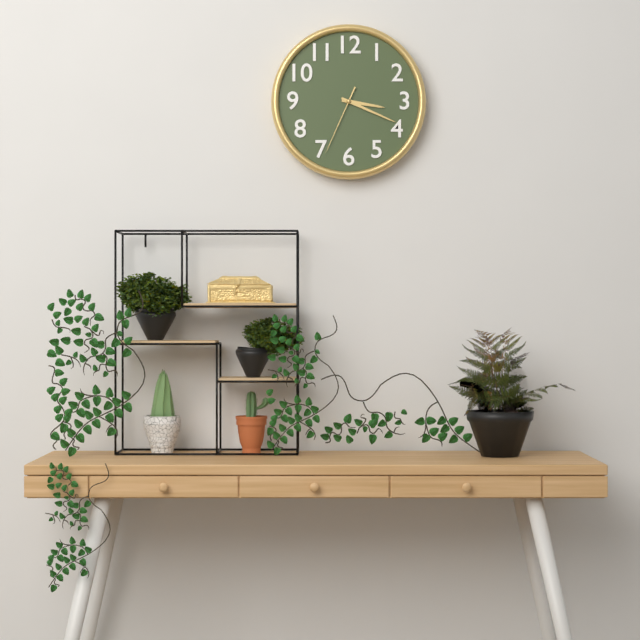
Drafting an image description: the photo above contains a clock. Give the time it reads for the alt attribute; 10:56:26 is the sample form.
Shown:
3:19:34
